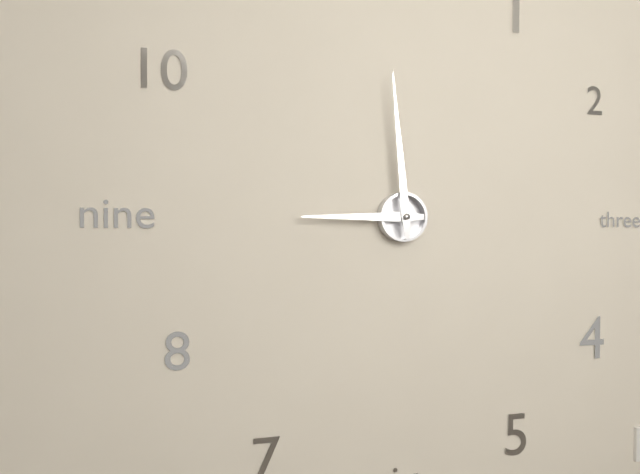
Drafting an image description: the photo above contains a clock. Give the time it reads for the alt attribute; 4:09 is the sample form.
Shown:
8:59
